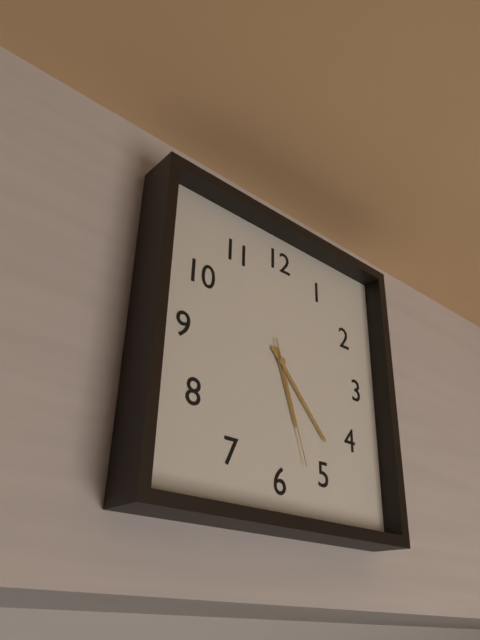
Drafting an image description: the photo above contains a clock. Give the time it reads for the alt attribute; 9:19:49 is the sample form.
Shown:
5:23:27
